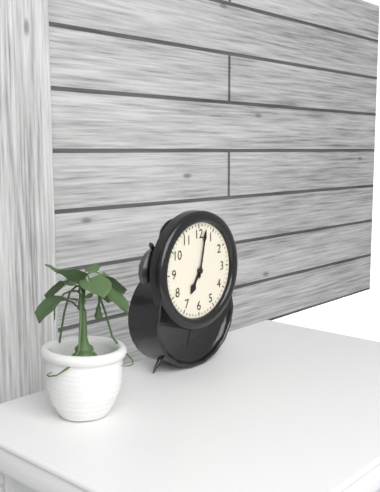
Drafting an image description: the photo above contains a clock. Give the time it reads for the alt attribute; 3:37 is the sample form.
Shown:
7:02
